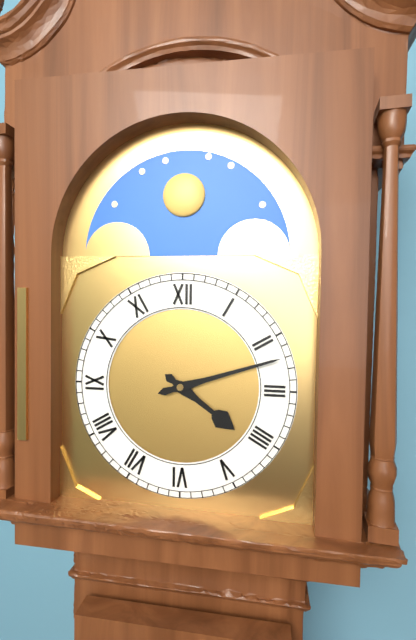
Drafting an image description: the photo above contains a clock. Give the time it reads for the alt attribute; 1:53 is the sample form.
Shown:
4:12
